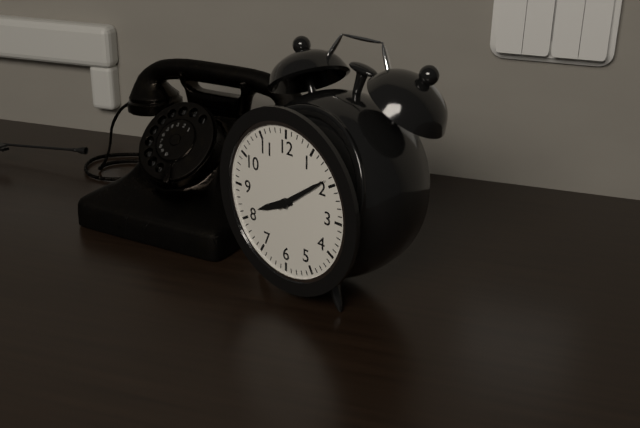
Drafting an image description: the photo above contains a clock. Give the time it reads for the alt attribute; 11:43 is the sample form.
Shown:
8:09
